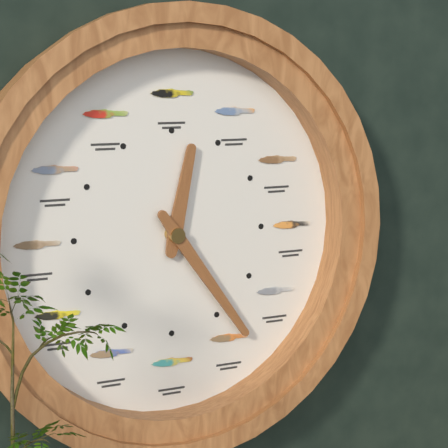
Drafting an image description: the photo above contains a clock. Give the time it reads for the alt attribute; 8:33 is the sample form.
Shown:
12:24
